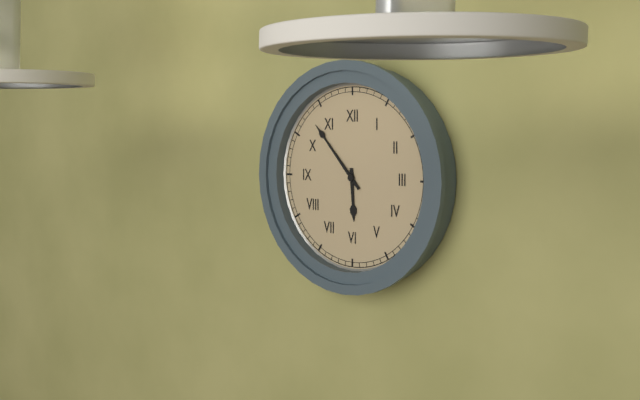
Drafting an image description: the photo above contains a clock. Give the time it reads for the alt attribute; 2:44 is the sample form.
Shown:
5:53
